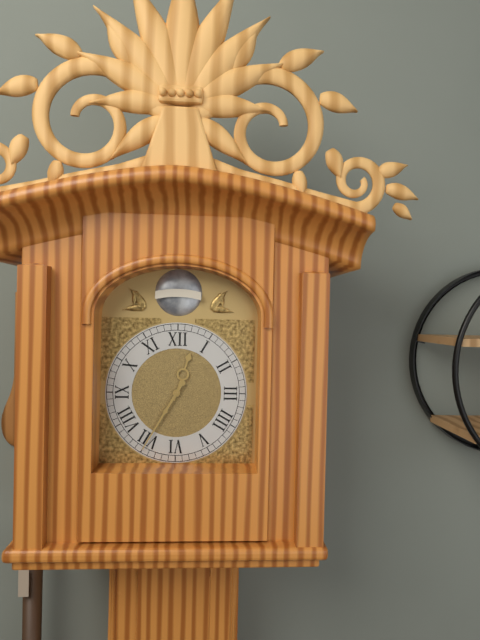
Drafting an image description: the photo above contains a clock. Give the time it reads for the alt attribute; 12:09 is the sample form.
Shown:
12:35
